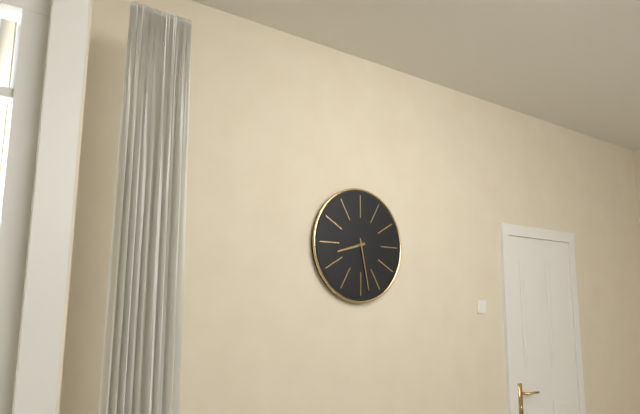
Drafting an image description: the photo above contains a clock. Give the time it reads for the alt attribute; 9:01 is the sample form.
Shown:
8:28
